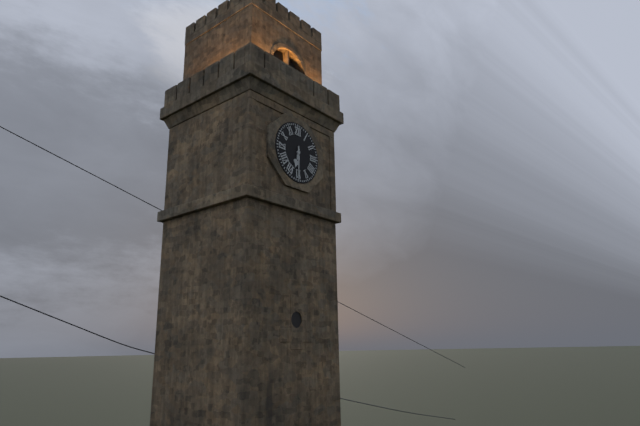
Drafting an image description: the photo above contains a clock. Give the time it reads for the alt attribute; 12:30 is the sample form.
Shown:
6:30
